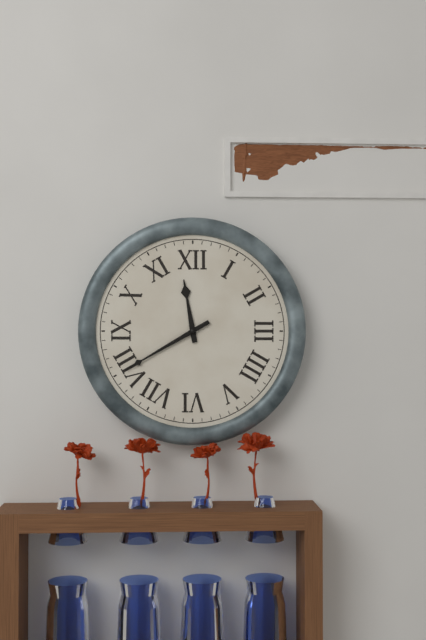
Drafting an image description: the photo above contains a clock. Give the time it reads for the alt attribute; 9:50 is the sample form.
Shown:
11:40
